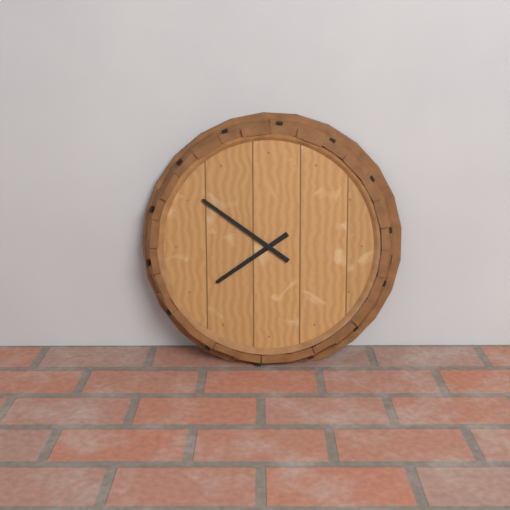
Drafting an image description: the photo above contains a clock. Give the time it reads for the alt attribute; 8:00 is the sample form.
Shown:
7:51
